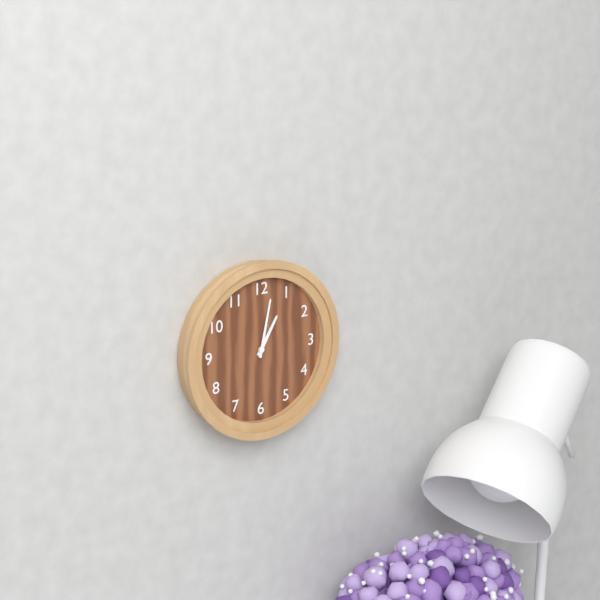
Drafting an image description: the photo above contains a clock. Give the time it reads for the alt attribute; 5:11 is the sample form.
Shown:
1:02
